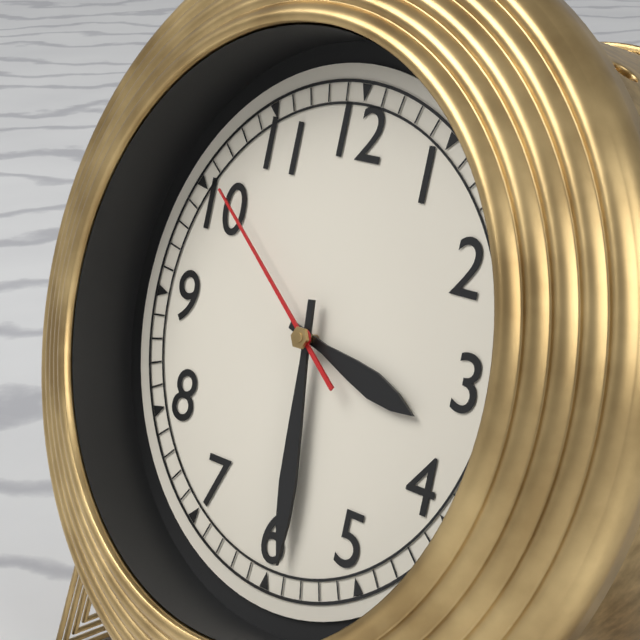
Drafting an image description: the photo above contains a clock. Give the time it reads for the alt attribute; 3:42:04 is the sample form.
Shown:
3:29:51
